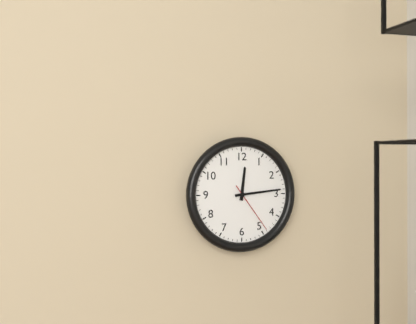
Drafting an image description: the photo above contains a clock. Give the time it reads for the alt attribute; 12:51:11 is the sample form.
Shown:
12:14:24
